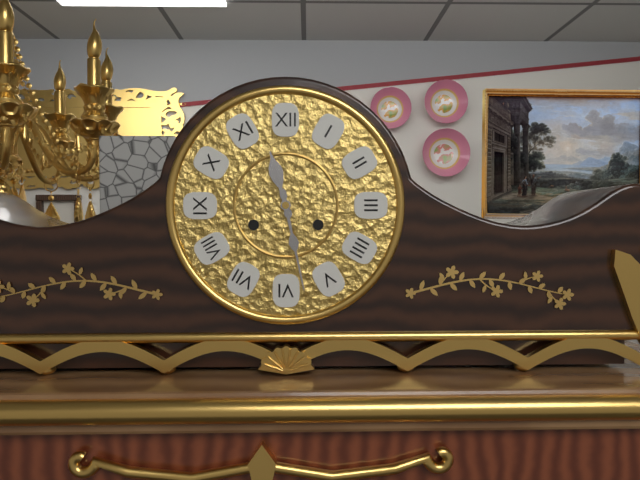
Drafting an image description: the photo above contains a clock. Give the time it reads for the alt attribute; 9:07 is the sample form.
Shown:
11:28
